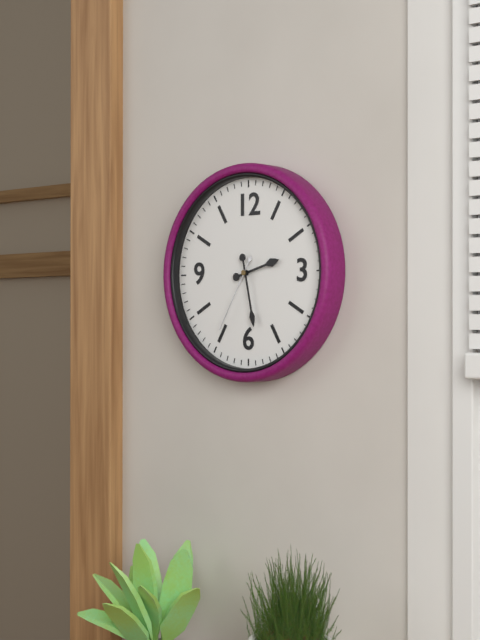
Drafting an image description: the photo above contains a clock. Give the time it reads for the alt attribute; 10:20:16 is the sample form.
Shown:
2:28:35
